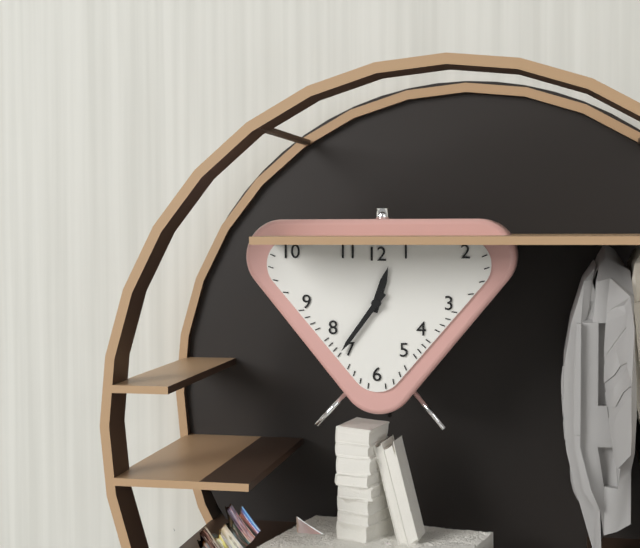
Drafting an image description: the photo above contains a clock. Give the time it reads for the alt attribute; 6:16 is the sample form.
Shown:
12:36
